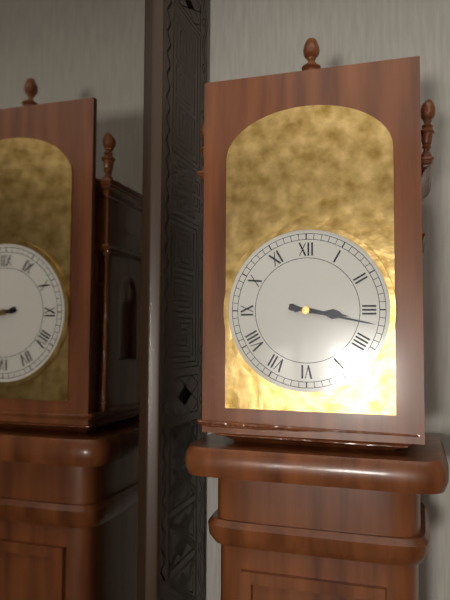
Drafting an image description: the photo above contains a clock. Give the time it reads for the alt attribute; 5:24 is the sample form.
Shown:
3:17
